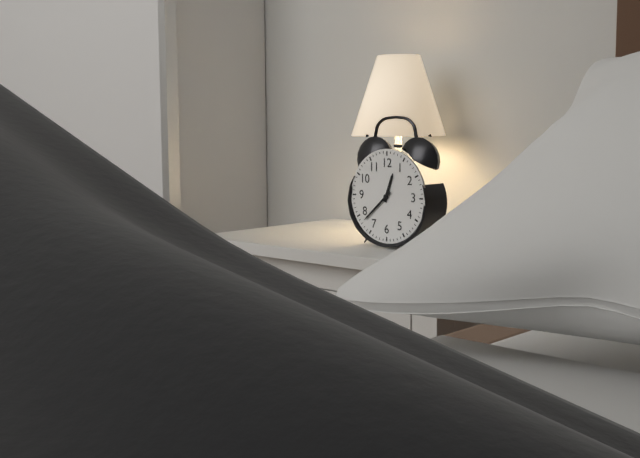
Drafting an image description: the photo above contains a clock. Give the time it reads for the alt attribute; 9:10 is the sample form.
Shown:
12:38
